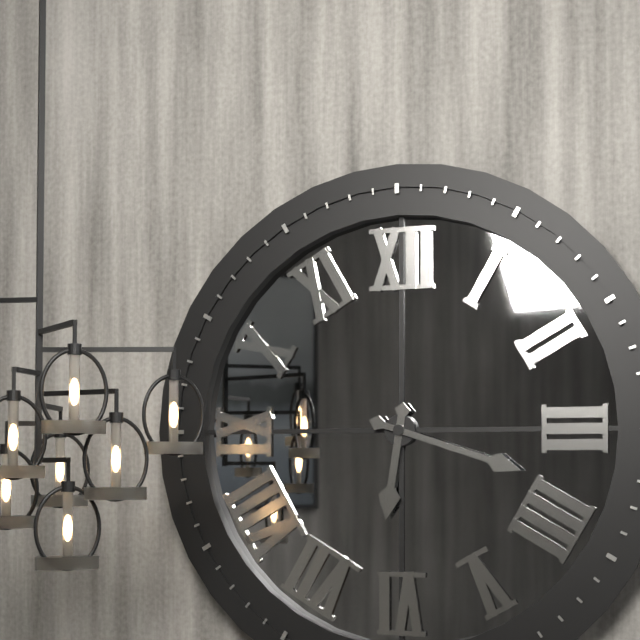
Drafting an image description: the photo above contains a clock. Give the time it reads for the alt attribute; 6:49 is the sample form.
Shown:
6:18
